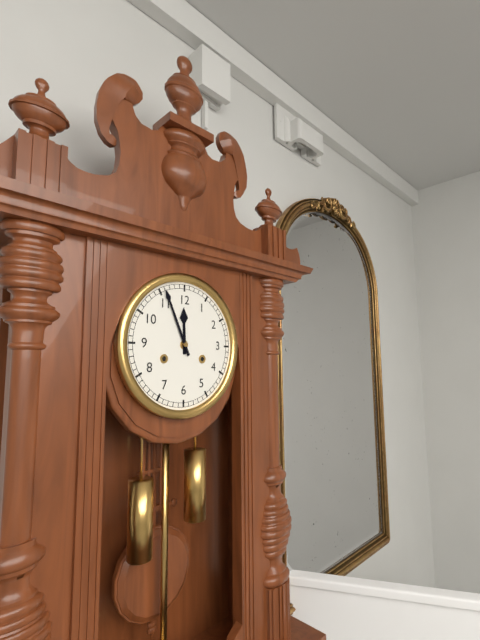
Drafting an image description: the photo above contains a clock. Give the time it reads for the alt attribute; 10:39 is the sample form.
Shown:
11:56
